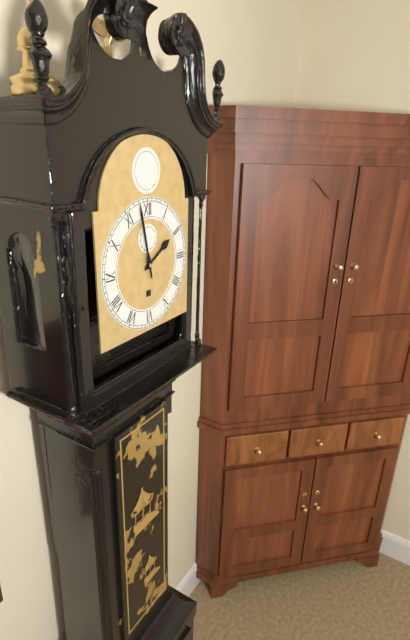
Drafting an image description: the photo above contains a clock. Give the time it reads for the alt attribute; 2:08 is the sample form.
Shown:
1:58
